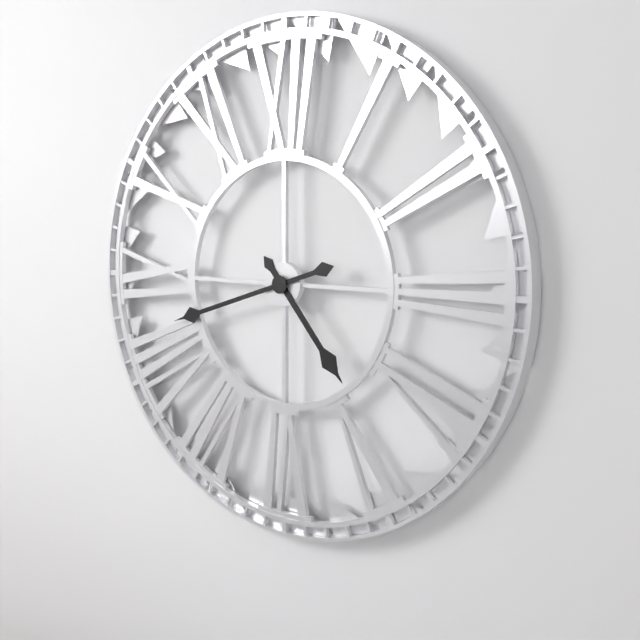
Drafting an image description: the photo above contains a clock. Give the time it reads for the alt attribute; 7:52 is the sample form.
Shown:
4:42
